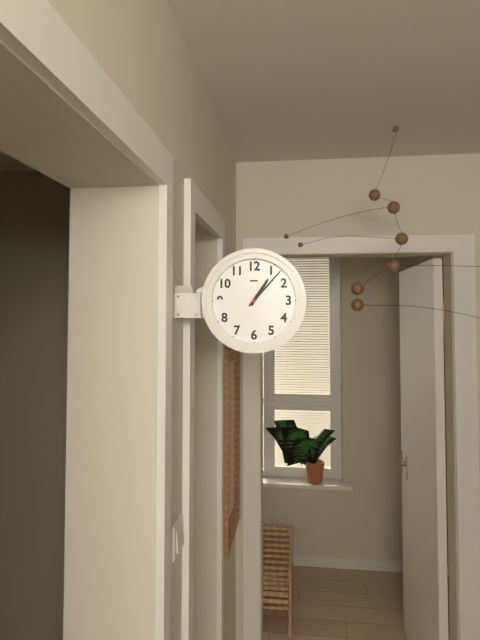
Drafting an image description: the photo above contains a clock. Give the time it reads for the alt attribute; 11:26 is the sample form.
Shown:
1:07
